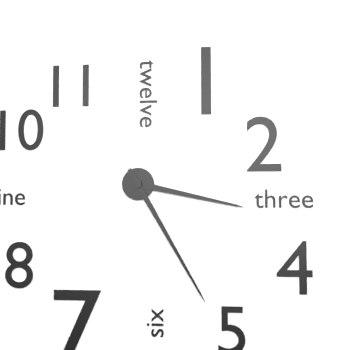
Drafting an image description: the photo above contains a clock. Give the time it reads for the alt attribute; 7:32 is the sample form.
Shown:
3:25
